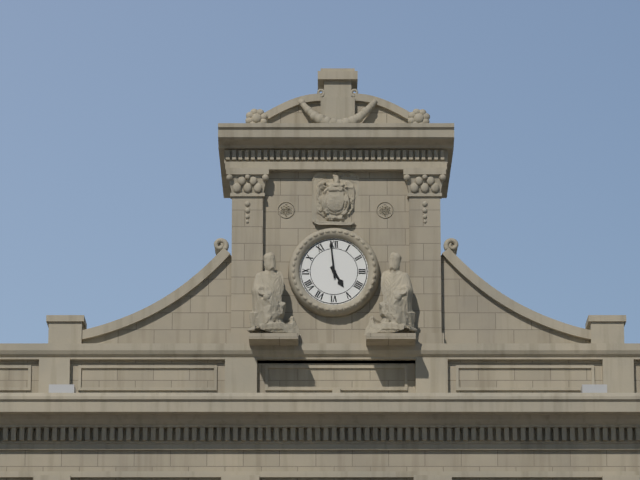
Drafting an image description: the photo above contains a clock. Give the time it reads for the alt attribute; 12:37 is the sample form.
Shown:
4:59
